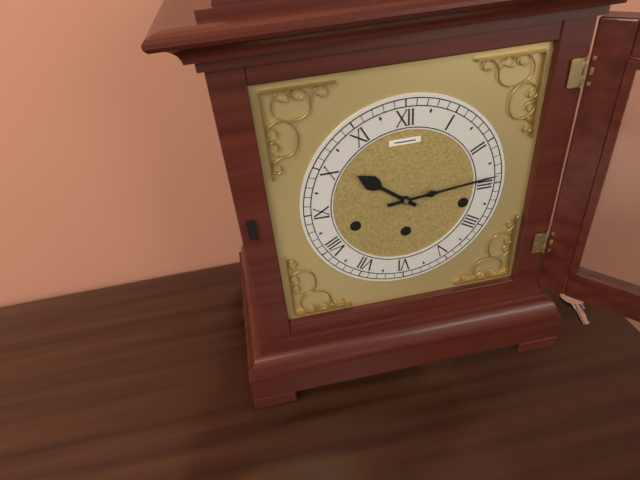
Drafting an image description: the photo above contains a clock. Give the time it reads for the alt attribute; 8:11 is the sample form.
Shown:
10:14
